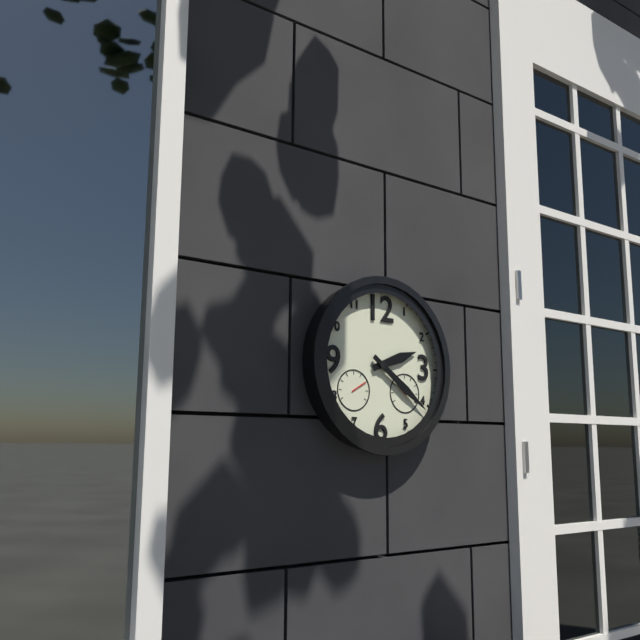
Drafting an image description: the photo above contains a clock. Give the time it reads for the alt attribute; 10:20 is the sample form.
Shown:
2:21
